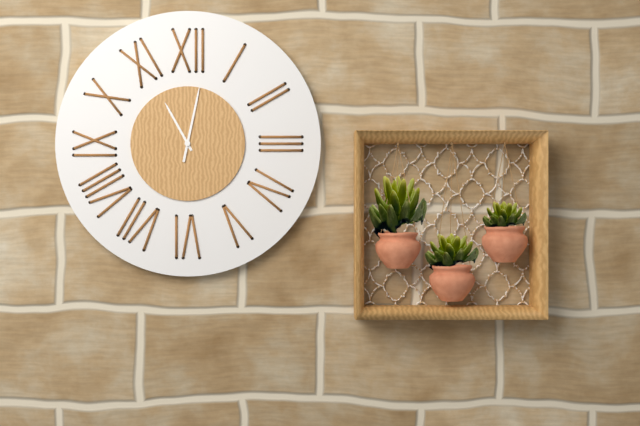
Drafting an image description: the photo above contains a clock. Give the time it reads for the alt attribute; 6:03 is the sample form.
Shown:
11:02
